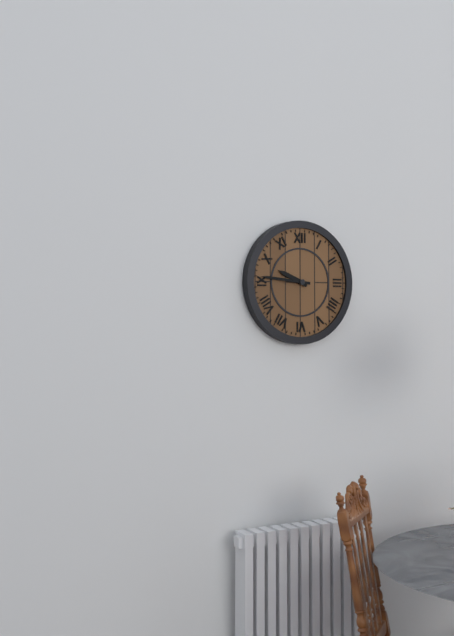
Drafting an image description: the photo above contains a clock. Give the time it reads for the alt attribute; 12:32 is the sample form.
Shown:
9:46
